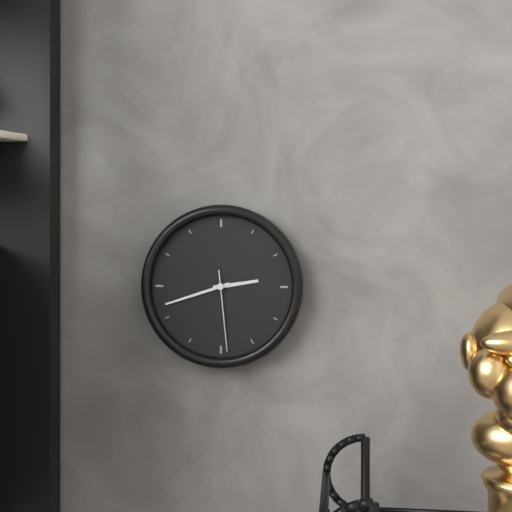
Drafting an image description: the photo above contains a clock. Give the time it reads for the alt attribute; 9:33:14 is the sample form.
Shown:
2:42:29
